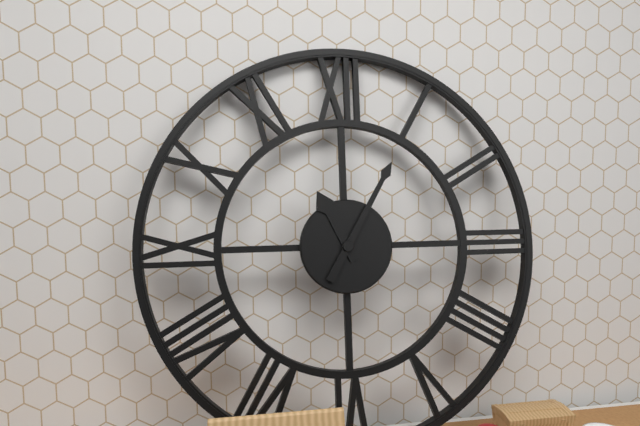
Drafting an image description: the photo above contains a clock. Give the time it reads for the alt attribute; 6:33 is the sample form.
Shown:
11:05
